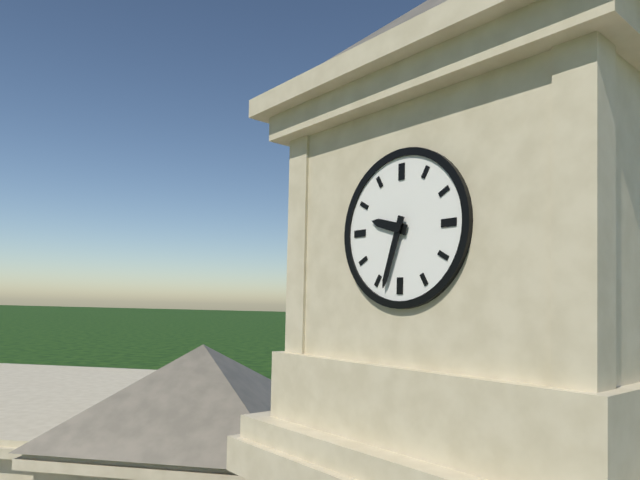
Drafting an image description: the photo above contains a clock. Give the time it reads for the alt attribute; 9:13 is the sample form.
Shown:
9:33
